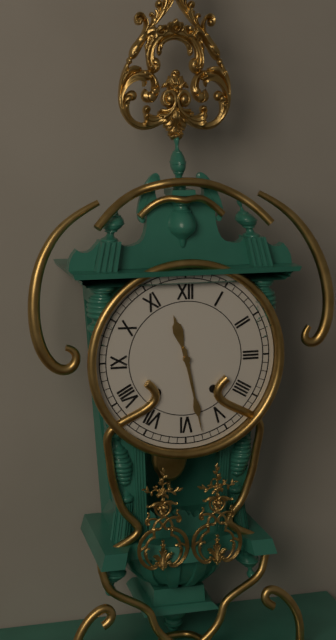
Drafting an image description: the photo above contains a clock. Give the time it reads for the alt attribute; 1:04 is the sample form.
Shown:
11:28
